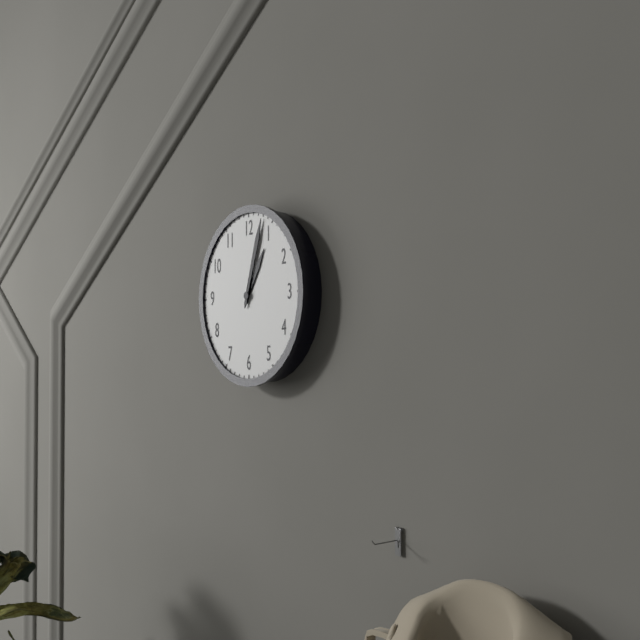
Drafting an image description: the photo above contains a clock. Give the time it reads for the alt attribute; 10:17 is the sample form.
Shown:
1:03
